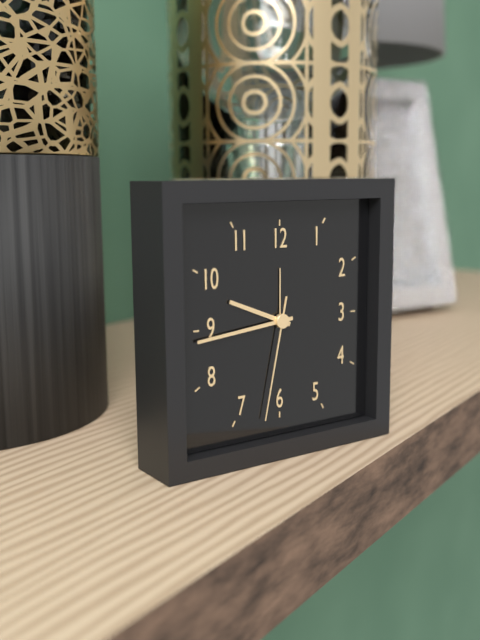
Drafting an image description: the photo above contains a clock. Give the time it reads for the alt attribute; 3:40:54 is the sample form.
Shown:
9:44:32
